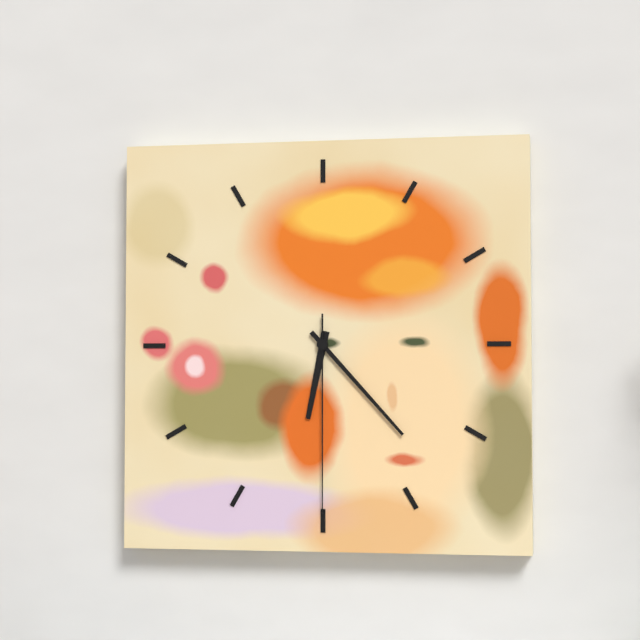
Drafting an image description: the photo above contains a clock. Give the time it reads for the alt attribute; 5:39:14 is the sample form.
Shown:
6:23:30
